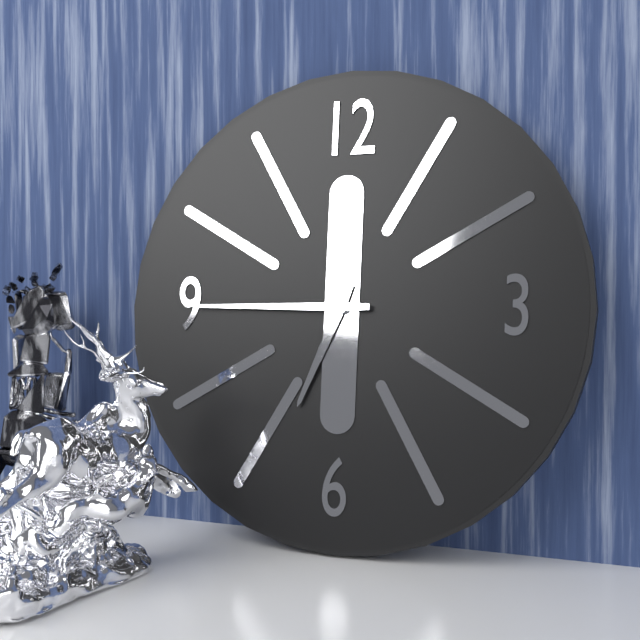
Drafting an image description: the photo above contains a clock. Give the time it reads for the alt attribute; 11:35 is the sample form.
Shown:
6:45
